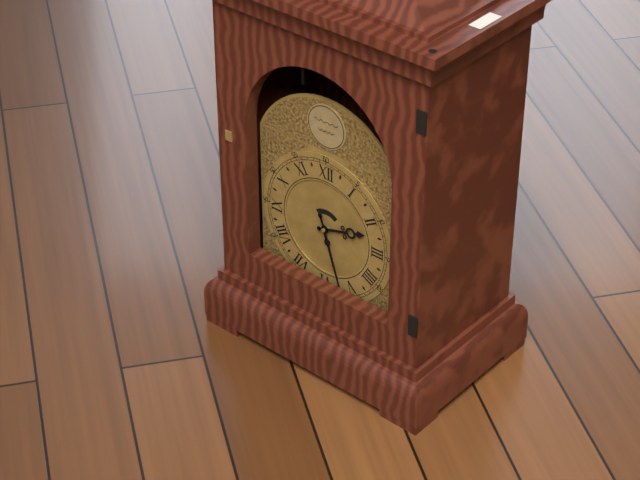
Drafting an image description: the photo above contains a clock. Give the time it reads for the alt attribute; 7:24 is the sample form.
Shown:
2:27
